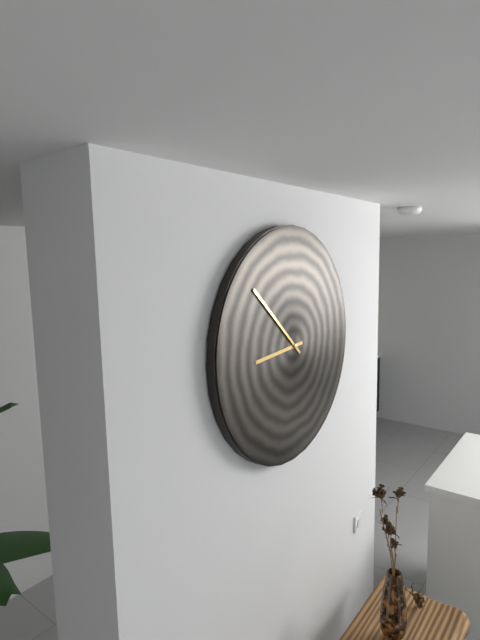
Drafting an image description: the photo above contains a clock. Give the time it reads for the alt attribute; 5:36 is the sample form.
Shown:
8:52
